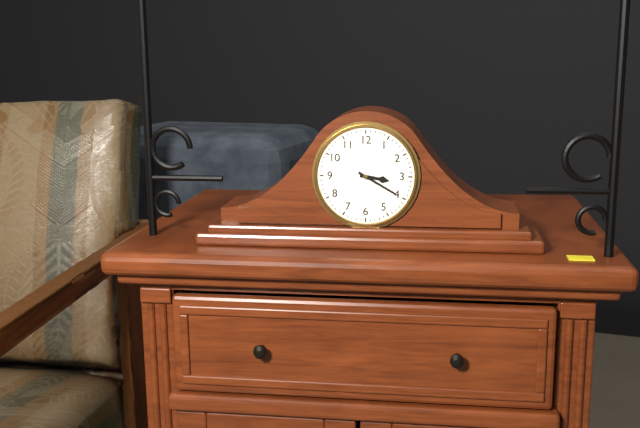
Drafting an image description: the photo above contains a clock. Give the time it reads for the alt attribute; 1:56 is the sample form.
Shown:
3:20
